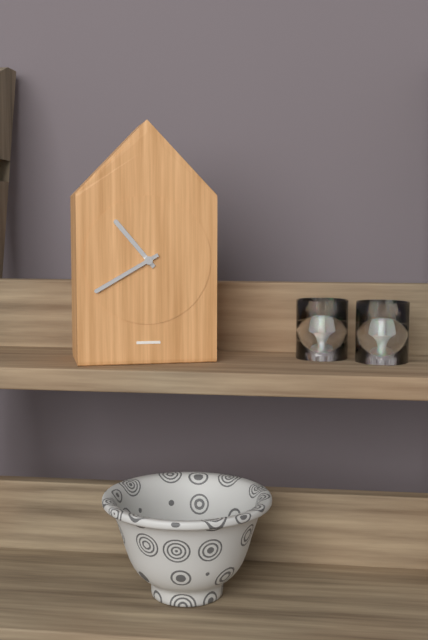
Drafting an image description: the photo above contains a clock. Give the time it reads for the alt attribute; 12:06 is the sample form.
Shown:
10:40
